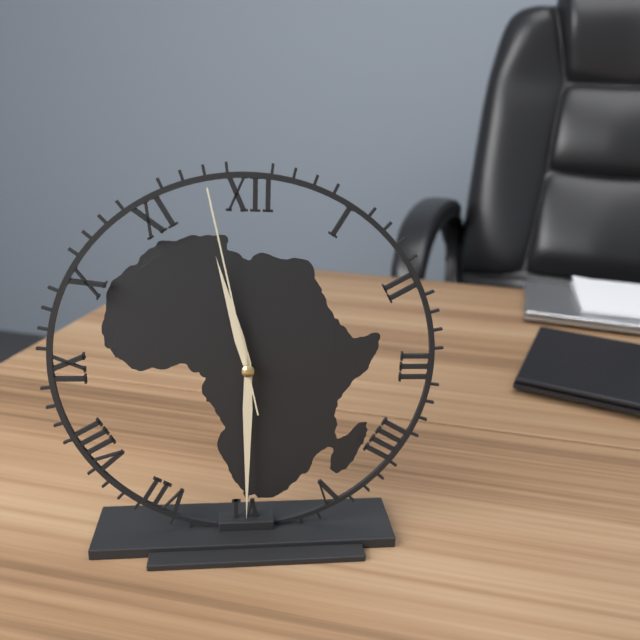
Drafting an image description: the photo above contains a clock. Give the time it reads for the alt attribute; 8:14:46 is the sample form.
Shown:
11:30:58
